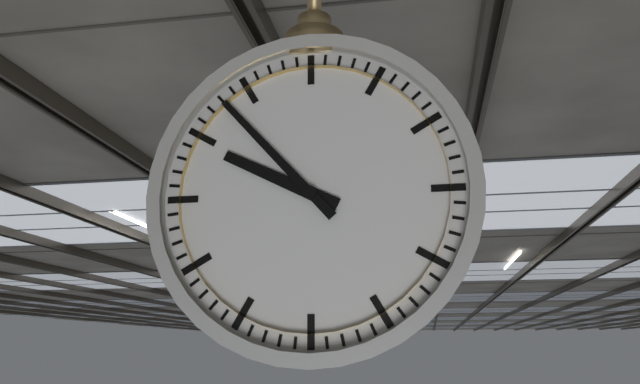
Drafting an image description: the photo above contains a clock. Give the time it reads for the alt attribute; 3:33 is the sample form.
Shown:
9:53
